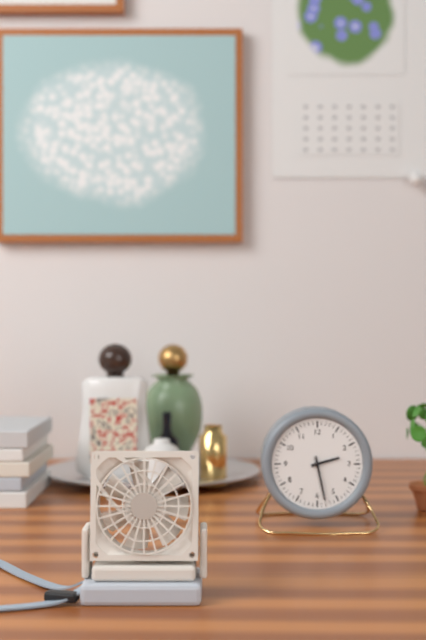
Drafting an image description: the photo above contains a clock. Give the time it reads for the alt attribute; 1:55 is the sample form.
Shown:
2:28
